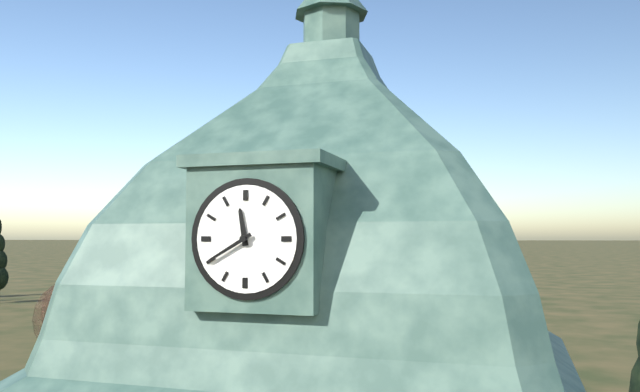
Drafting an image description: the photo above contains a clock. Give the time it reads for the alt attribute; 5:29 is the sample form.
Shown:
11:40
